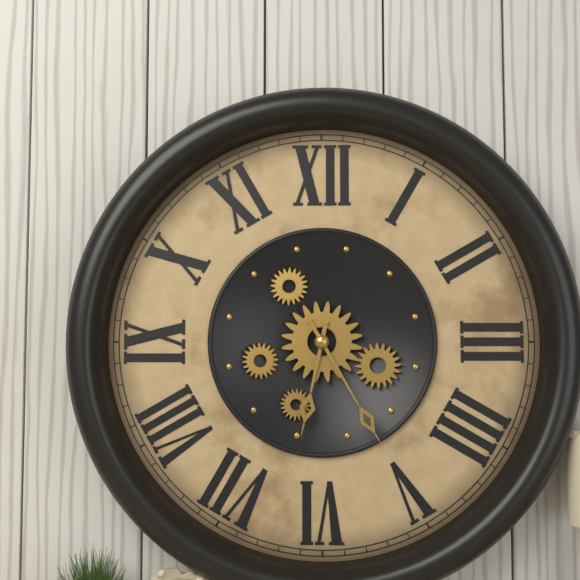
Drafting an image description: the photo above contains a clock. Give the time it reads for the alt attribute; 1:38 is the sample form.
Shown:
6:25
